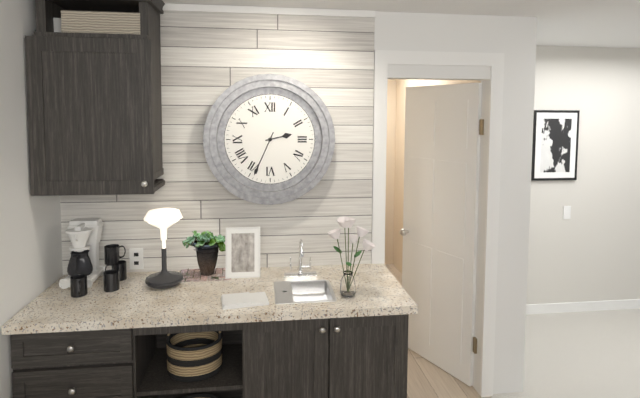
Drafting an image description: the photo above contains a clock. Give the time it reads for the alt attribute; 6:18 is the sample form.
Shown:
2:34
